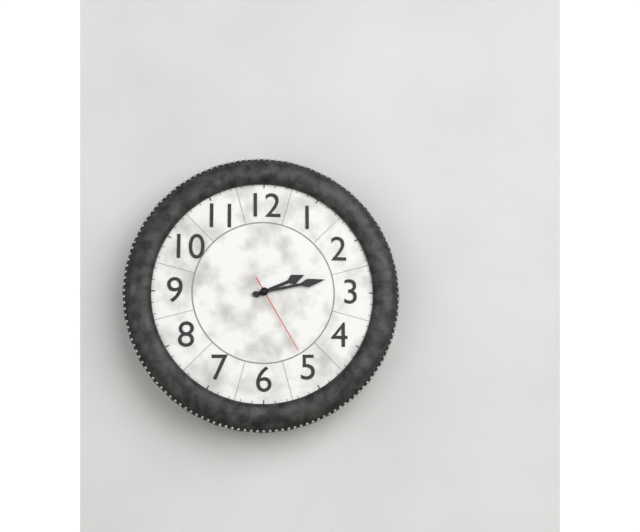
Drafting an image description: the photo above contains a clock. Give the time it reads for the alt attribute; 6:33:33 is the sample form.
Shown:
2:13:25
